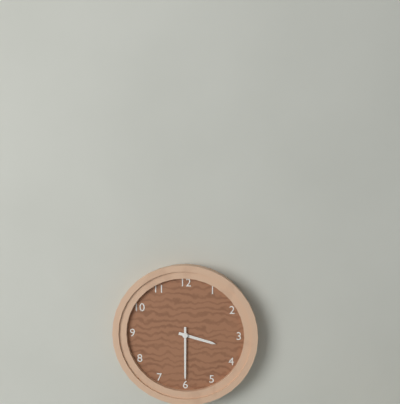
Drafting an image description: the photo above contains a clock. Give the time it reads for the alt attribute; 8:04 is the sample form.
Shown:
3:30
